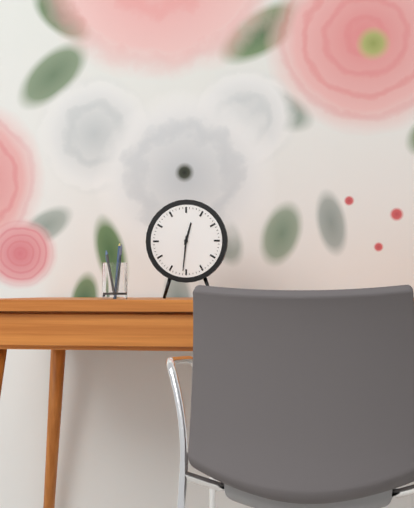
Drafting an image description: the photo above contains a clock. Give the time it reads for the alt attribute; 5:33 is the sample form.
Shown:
12:31
